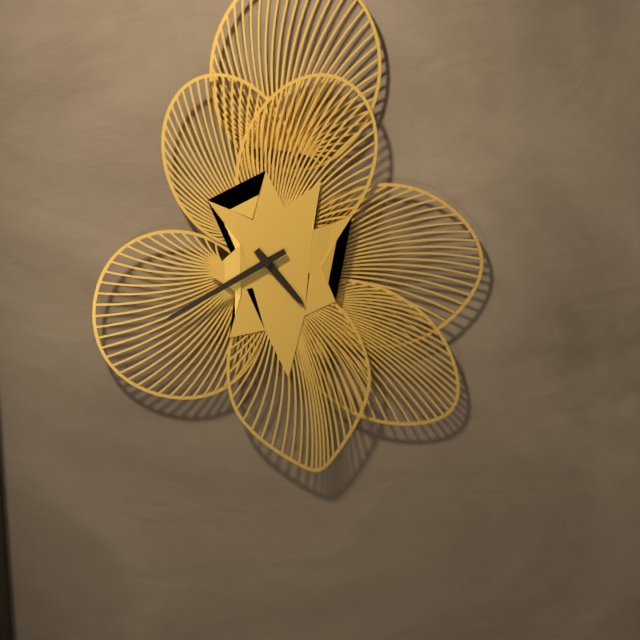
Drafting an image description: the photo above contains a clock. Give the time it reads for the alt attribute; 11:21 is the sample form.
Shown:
4:40
